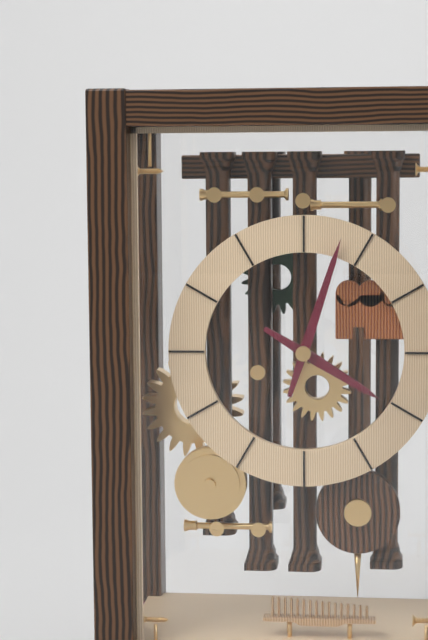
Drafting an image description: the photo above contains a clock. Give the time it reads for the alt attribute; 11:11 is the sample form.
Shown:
4:03
